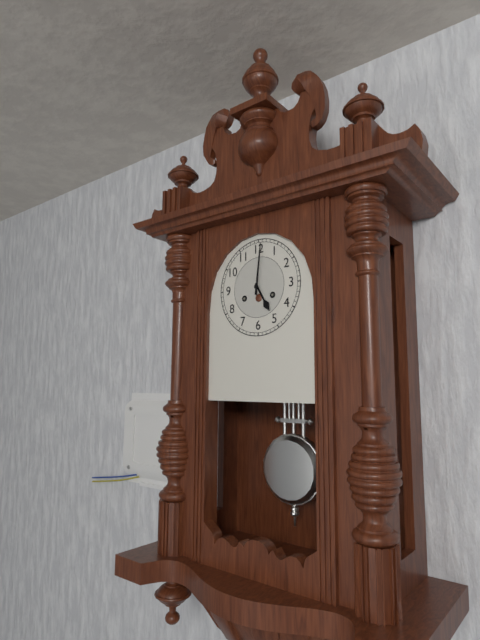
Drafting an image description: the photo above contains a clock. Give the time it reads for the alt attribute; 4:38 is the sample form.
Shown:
5:01
